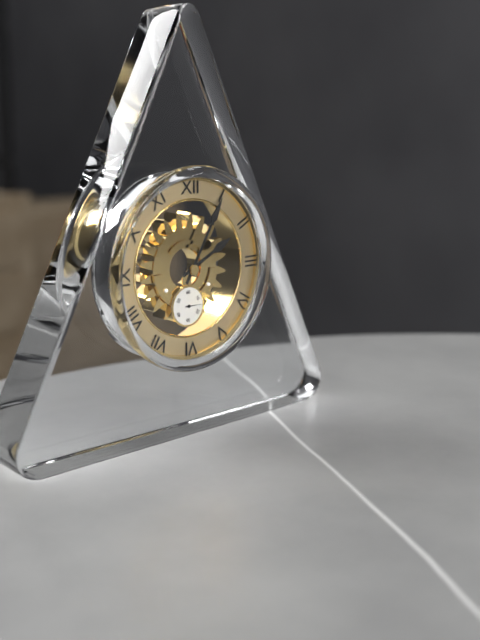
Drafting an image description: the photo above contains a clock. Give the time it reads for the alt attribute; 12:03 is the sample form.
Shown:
2:05
